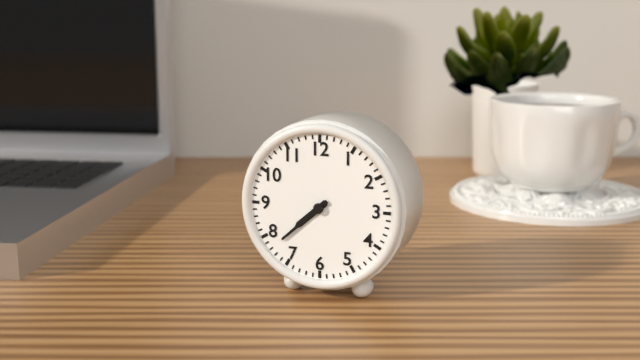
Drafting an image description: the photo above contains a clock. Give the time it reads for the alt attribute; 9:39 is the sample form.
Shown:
7:38
